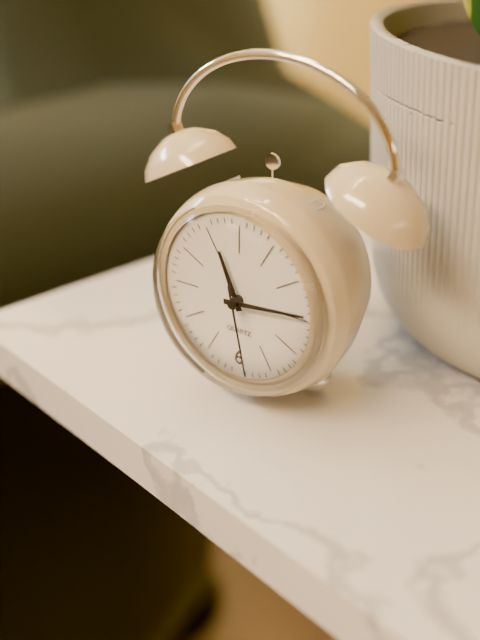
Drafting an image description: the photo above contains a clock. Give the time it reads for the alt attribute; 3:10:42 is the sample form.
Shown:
11:14:28
